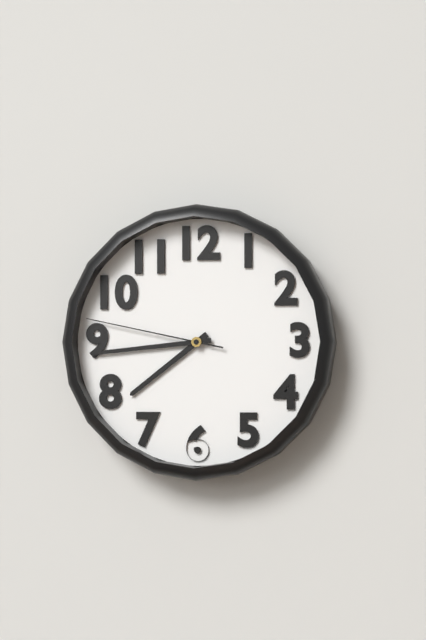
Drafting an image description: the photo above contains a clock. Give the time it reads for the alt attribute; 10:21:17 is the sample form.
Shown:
7:44:47
